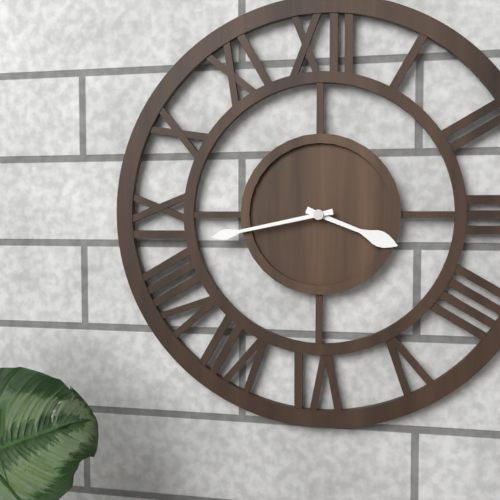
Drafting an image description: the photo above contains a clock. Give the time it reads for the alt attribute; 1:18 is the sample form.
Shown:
3:43
